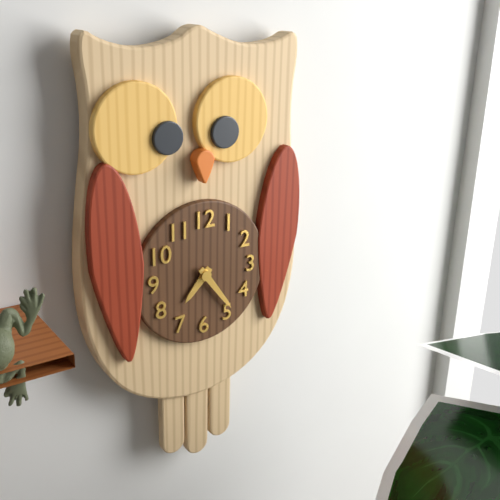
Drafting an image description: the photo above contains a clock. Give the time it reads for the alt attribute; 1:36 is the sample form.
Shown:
7:24
